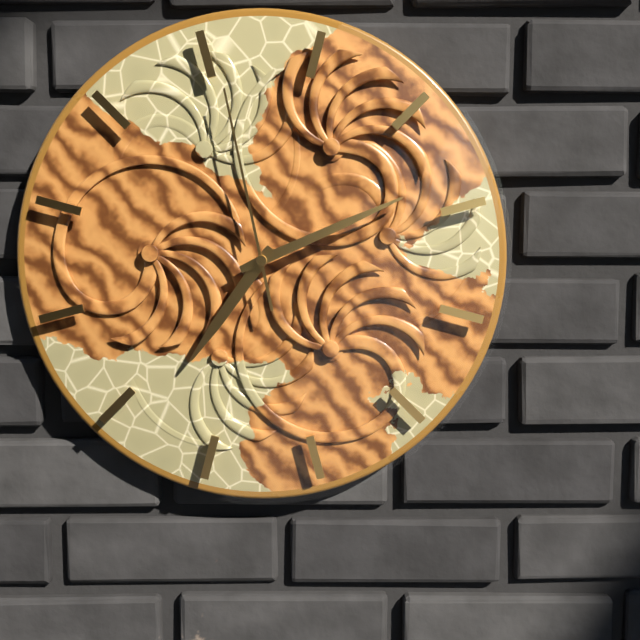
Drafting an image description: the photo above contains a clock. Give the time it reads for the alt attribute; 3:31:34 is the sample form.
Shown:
7:11:58
